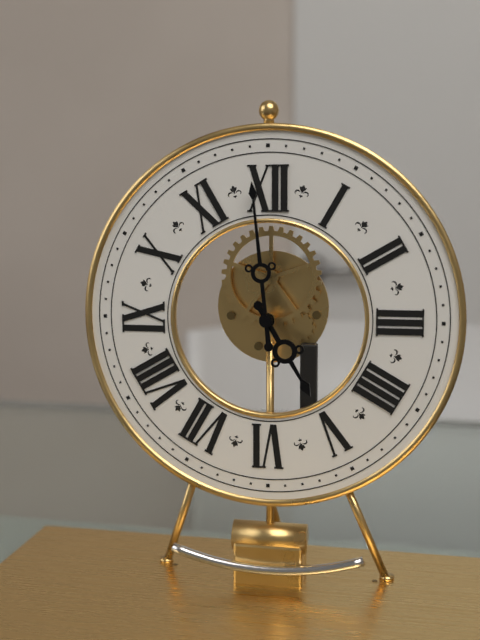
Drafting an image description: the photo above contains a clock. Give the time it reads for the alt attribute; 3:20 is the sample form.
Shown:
4:59
